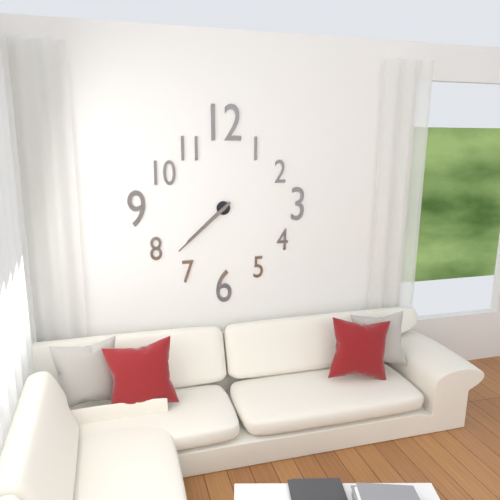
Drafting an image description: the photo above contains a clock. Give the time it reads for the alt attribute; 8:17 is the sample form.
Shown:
7:38
